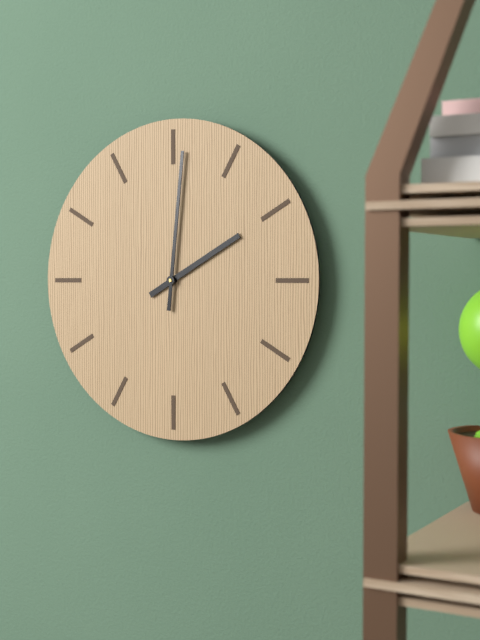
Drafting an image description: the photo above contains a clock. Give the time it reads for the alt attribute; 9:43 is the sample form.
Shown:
2:01
